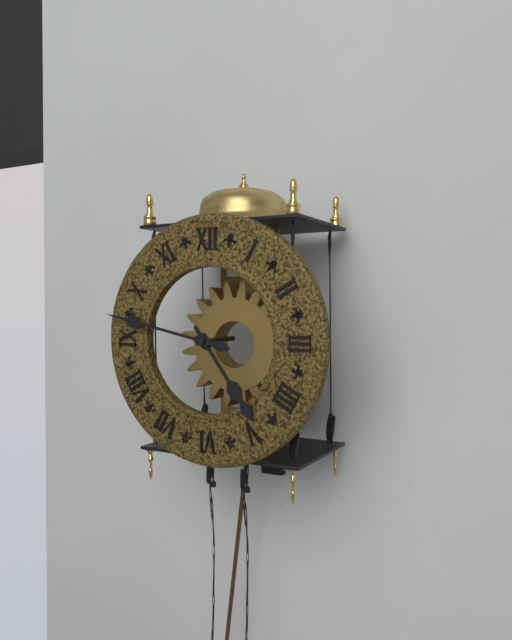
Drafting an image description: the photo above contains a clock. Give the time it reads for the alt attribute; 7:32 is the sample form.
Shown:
4:47
